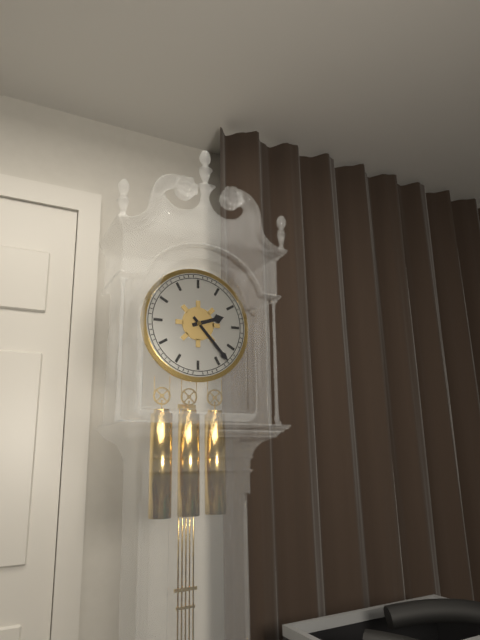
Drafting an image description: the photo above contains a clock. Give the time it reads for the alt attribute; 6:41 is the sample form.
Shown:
2:23
